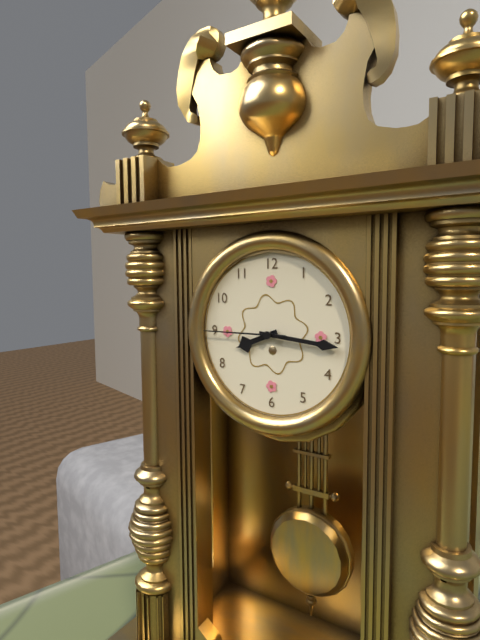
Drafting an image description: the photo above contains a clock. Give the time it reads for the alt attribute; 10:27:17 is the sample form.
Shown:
8:16:45
